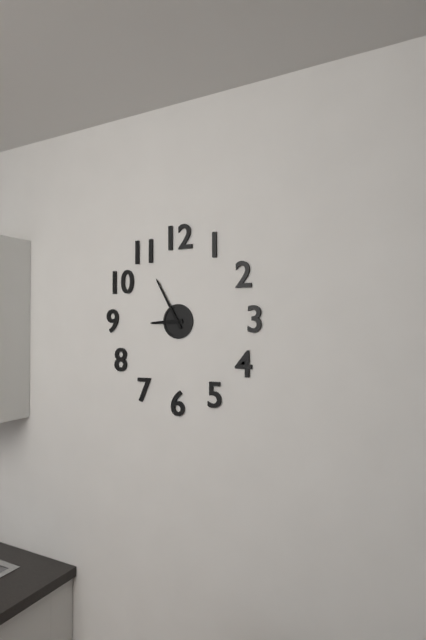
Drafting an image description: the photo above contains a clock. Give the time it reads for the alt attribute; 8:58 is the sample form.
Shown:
8:55
